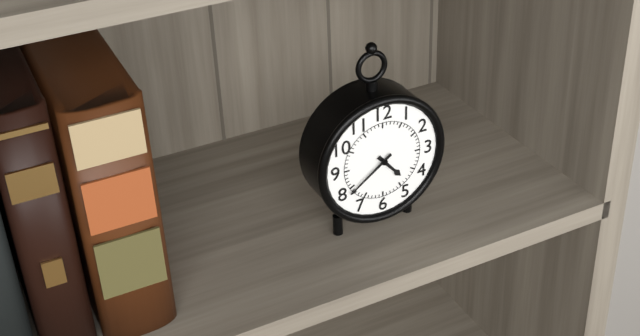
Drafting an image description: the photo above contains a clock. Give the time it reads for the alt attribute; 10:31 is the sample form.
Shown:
4:39
